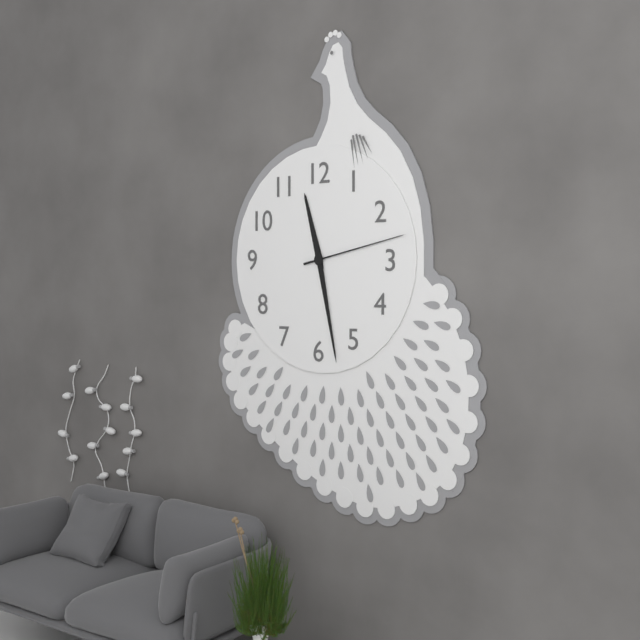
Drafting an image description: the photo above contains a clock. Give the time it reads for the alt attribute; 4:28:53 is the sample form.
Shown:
11:28:13
